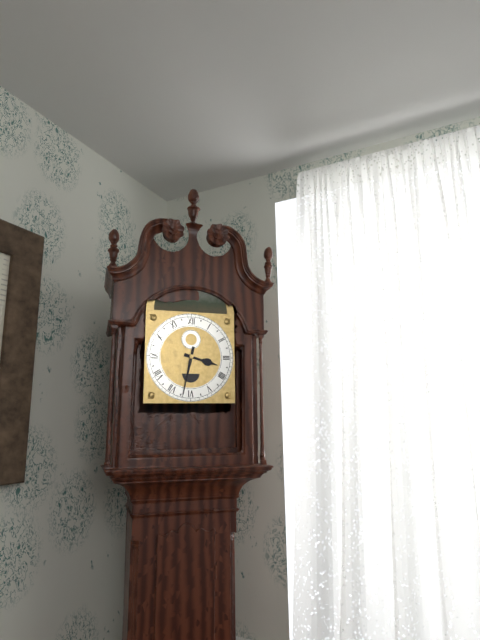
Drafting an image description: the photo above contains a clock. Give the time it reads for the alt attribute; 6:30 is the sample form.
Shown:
3:32
